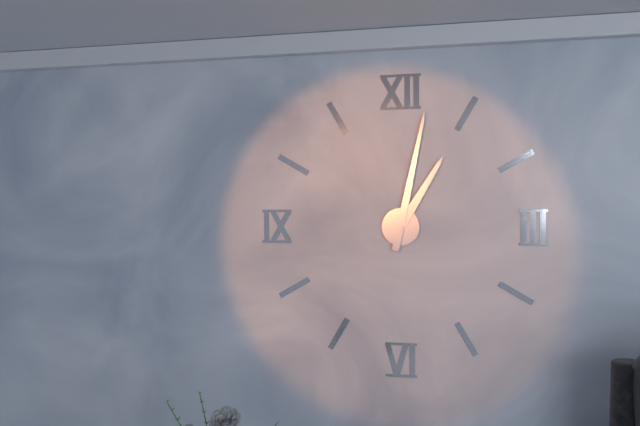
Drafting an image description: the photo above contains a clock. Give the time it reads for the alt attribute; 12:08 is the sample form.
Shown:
1:02
